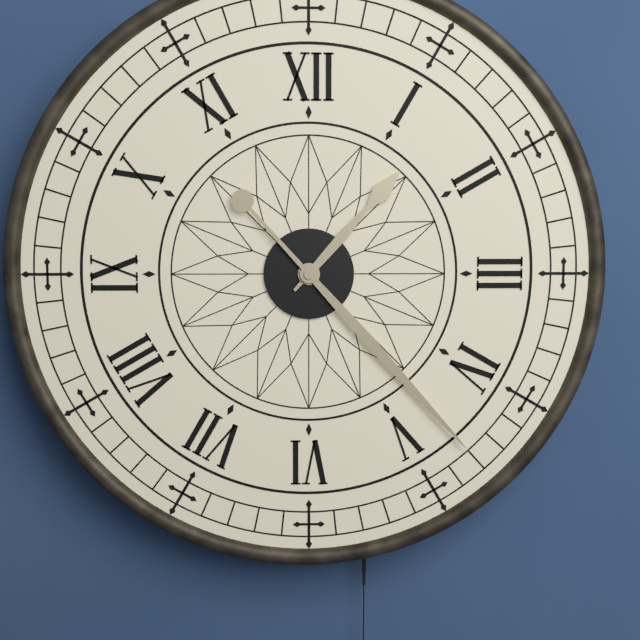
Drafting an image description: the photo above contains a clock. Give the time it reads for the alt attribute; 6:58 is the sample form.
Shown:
1:23
